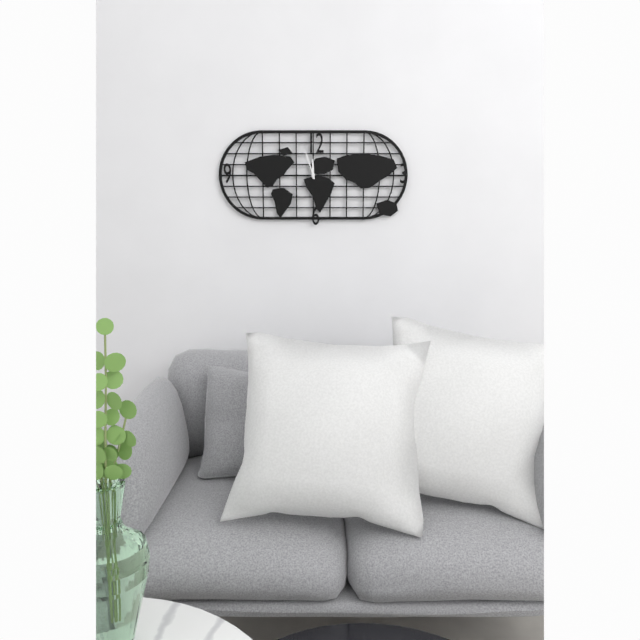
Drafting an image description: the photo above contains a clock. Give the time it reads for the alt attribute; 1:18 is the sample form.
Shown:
11:57
